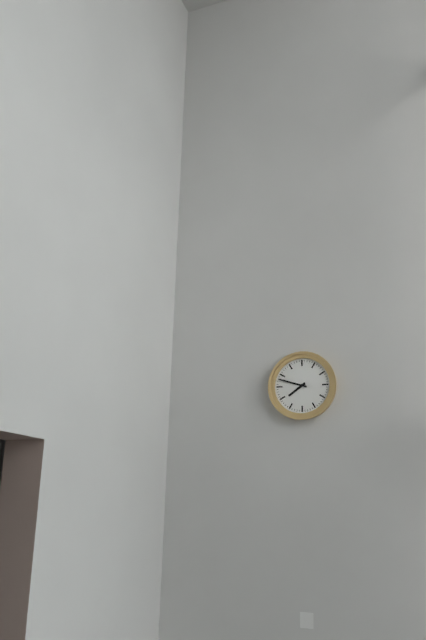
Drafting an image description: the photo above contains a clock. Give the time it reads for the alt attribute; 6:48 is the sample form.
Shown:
7:48
